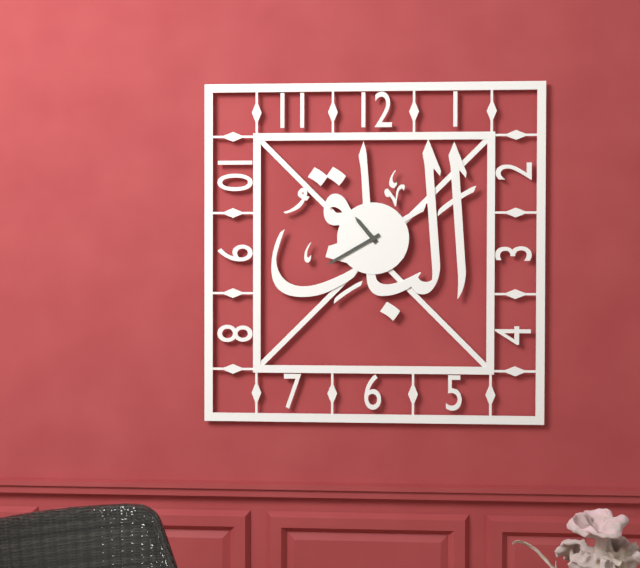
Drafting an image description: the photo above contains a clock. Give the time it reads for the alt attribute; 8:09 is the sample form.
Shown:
10:40
